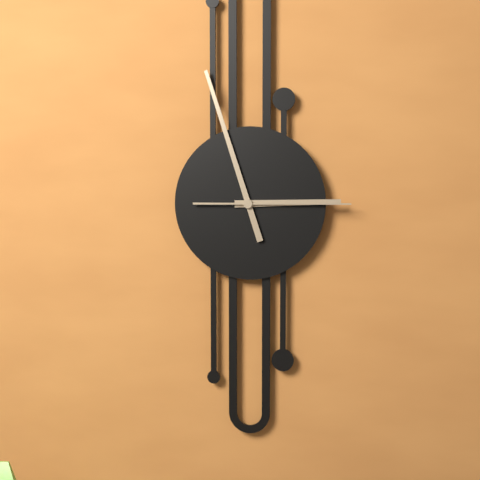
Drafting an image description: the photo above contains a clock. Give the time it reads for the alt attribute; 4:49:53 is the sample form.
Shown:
2:57:15
